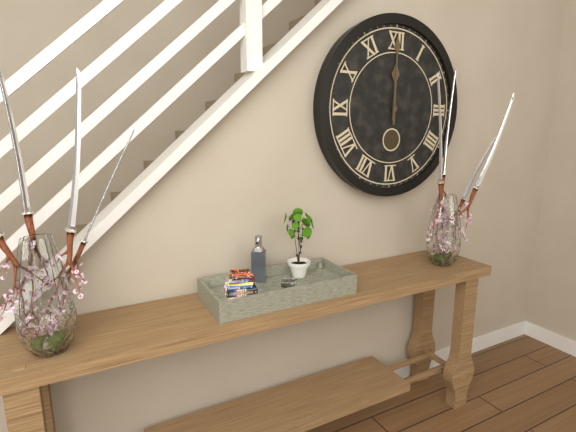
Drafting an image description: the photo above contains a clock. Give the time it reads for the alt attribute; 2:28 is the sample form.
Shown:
12:00
